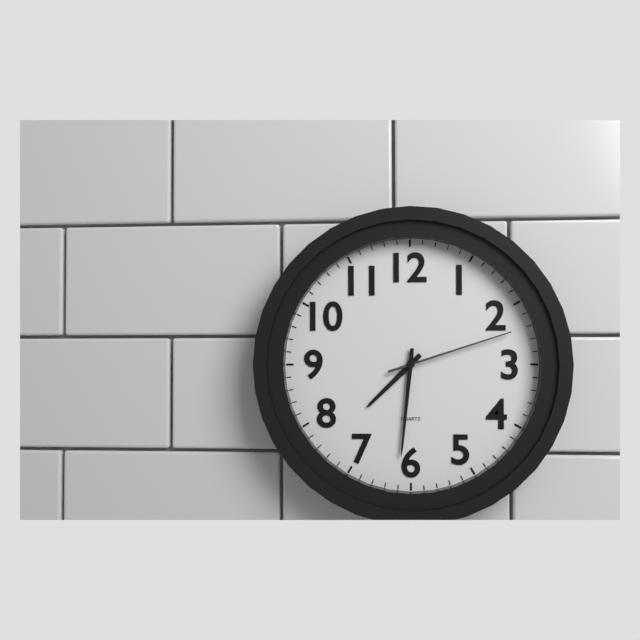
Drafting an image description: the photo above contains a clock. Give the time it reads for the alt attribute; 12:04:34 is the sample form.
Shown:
7:31:12
